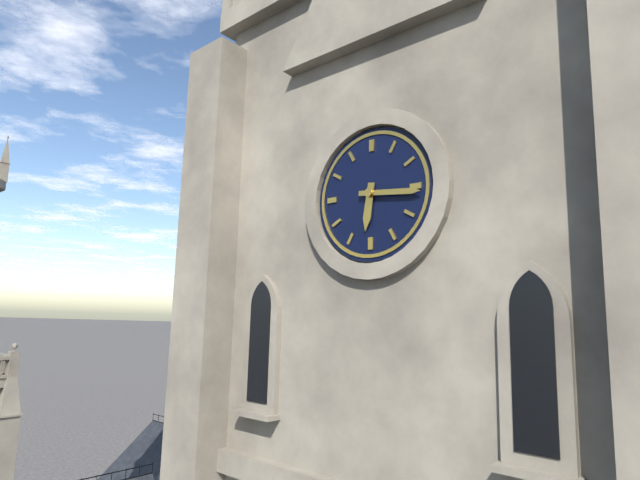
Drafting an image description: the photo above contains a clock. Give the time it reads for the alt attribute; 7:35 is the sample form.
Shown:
6:16
